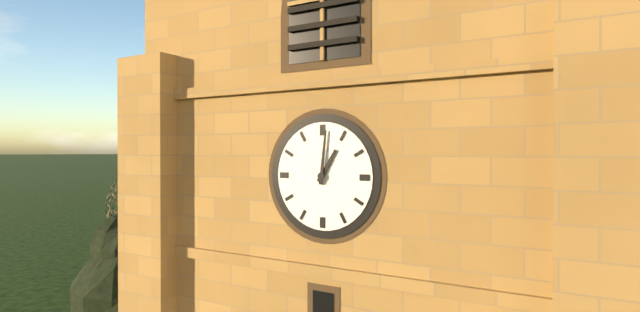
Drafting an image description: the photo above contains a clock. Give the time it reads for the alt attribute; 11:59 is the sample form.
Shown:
1:01
